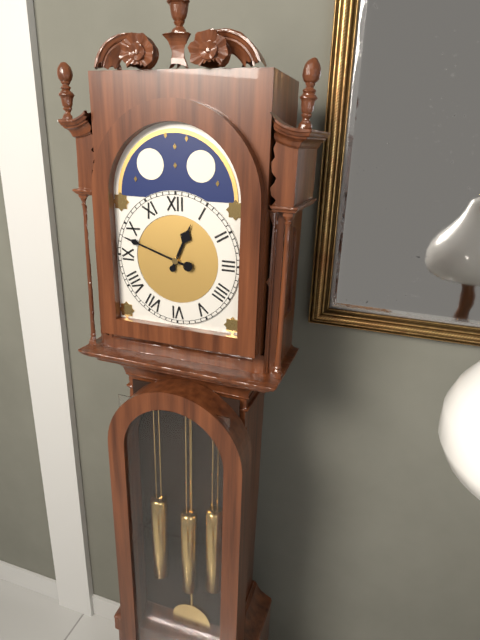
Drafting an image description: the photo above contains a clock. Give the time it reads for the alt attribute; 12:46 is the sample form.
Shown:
12:48
